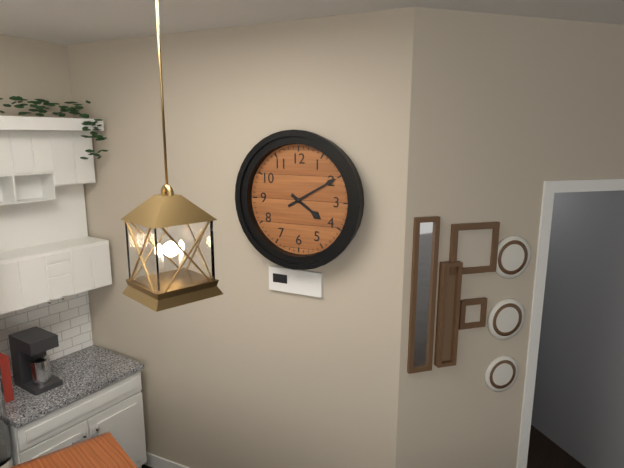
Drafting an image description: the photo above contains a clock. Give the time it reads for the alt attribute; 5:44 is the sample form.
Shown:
4:10
